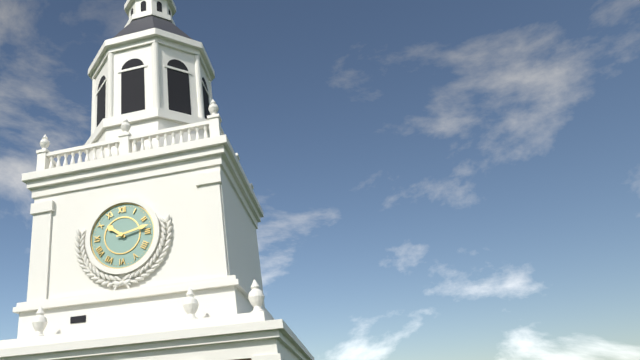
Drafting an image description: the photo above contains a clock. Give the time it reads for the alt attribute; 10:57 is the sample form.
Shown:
10:13
